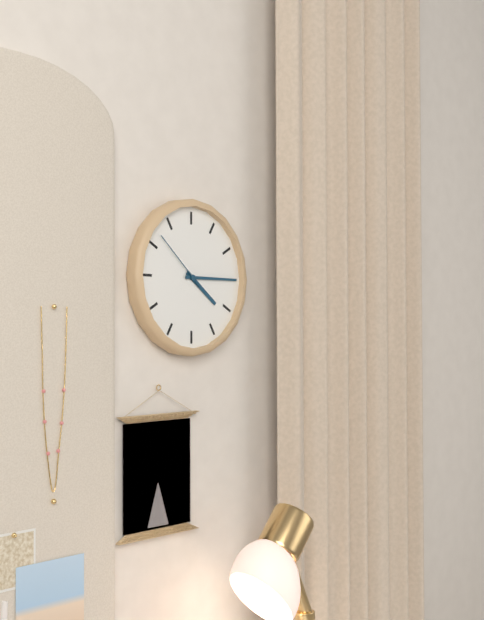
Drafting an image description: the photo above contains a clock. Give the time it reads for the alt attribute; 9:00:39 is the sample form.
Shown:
4:15:52
